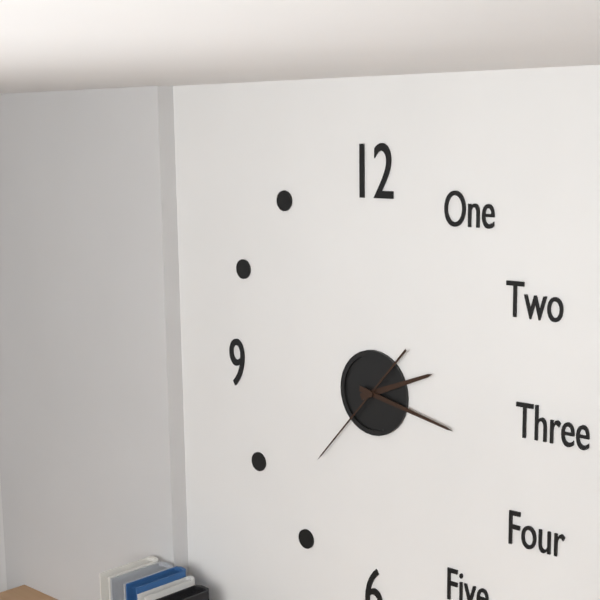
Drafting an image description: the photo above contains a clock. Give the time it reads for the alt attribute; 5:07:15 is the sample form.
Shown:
2:17:37
